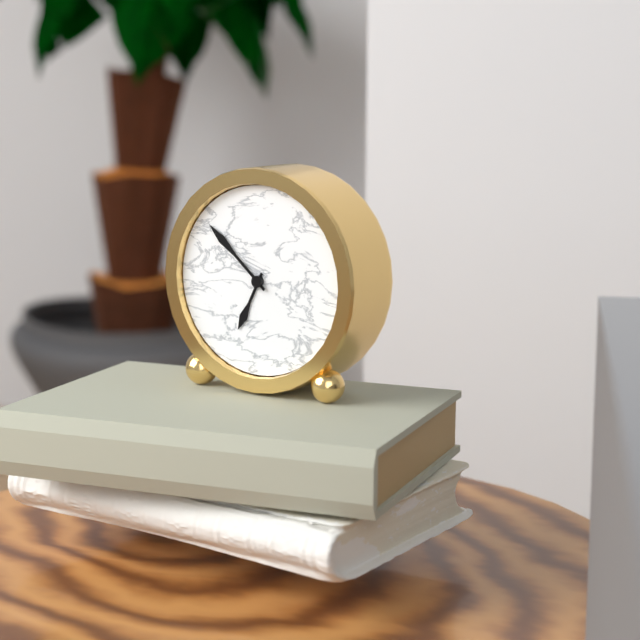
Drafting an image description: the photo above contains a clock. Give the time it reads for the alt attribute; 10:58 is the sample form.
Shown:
6:52
